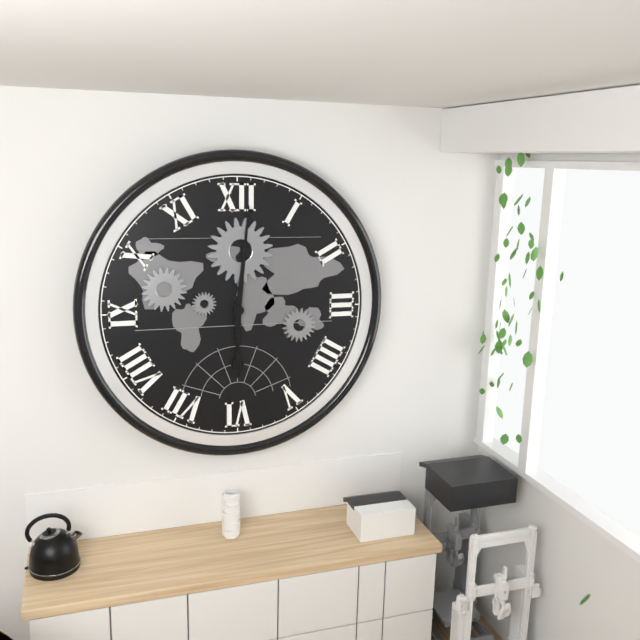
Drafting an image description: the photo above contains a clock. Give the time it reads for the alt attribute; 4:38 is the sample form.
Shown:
6:01
